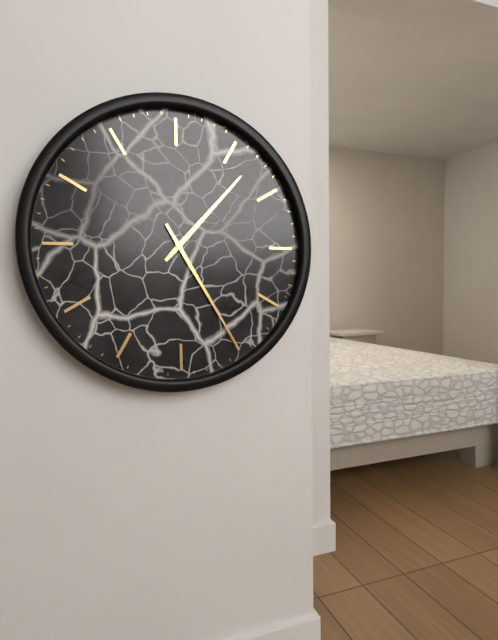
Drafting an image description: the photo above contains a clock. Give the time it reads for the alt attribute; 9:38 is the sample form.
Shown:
1:25
